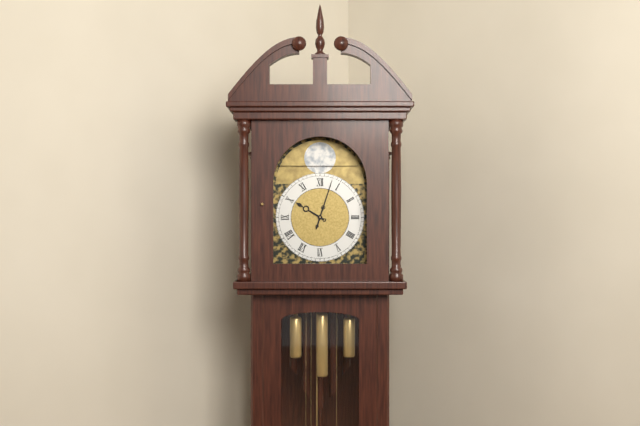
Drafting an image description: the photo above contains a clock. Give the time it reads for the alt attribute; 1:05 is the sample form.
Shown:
10:03
